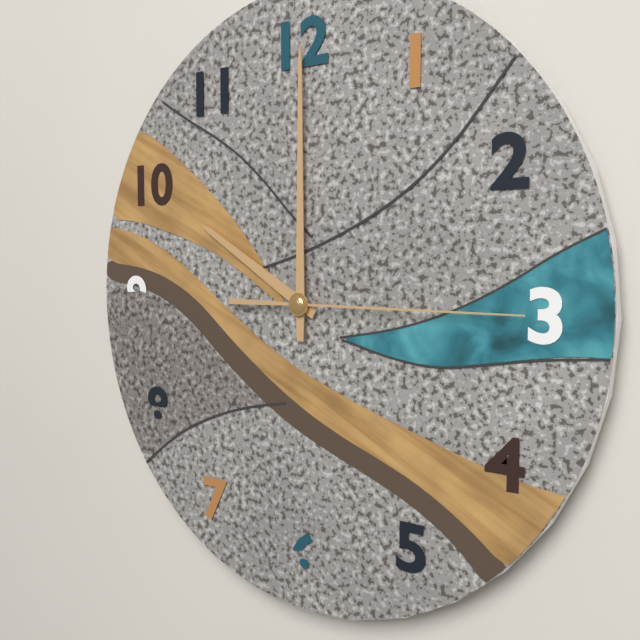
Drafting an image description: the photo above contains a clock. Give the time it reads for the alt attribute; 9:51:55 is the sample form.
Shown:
10:00:15
